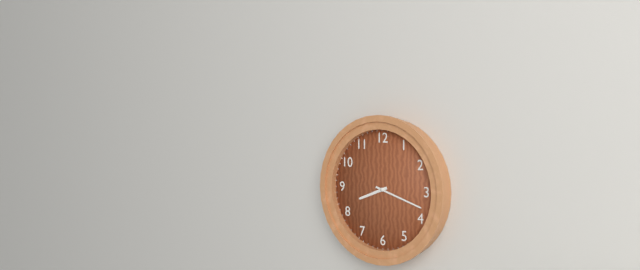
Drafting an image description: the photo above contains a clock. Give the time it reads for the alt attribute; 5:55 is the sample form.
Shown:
8:18
